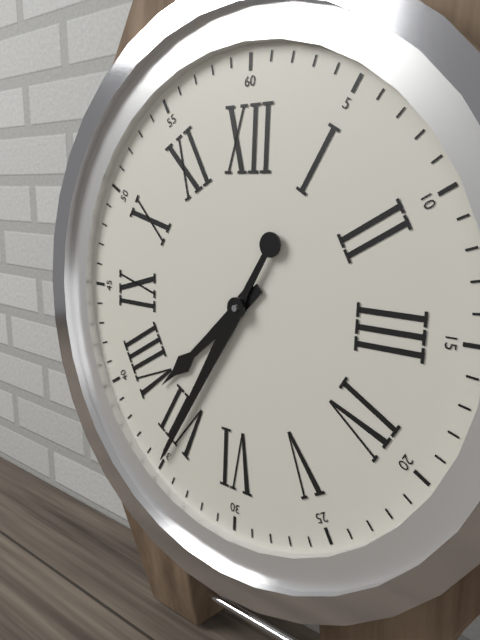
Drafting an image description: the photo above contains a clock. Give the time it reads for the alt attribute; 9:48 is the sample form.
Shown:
7:35
